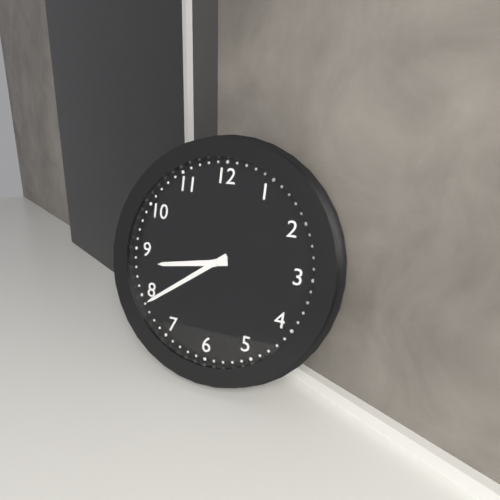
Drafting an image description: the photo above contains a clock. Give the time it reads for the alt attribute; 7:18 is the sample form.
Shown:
8:39
